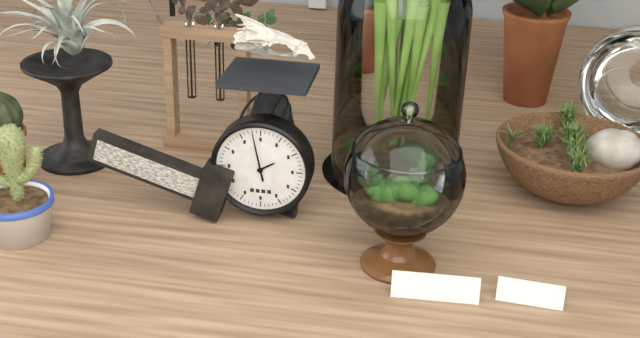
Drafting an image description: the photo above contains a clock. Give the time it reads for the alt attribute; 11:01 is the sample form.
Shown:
1:58
